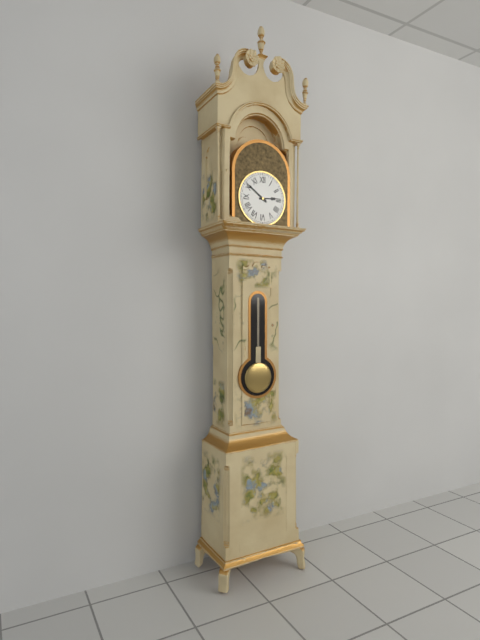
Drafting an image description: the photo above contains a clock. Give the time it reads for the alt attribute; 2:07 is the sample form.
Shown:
2:51
